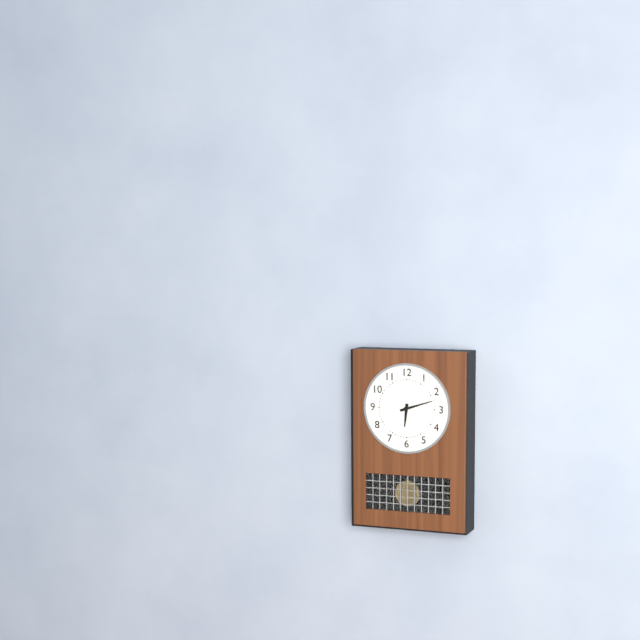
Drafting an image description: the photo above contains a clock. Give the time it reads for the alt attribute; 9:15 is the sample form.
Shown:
6:12
